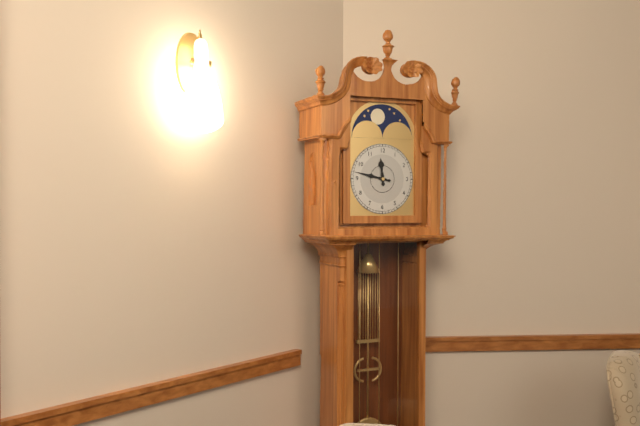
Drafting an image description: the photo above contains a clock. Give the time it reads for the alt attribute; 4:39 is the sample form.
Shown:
11:47
